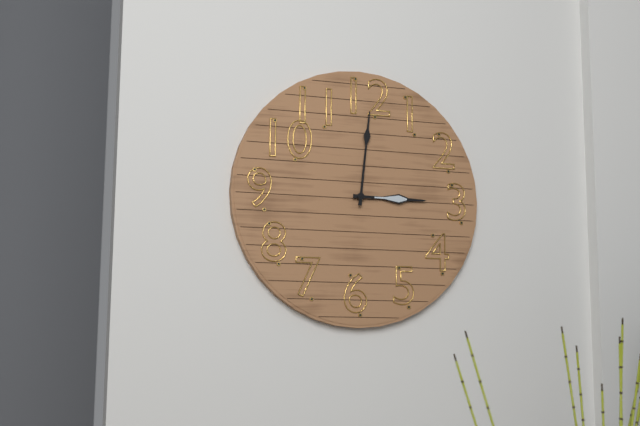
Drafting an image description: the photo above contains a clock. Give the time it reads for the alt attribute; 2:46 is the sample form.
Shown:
3:01
